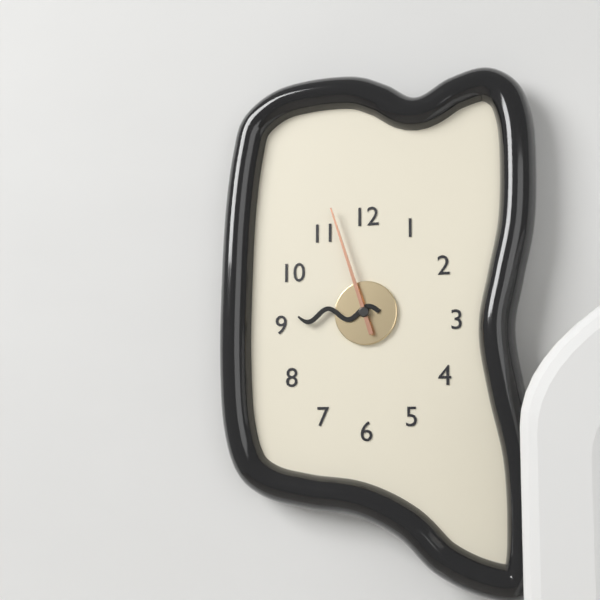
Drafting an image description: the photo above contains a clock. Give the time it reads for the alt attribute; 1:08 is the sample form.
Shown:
8:57
